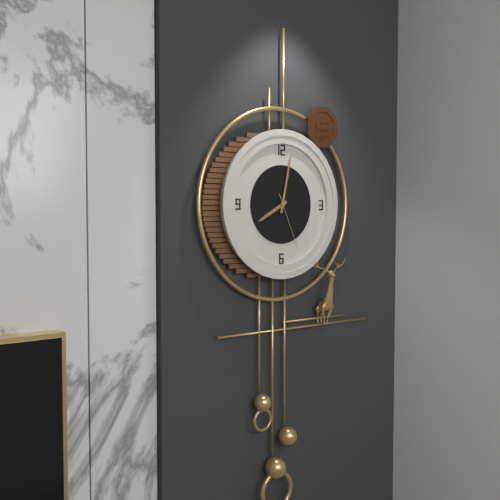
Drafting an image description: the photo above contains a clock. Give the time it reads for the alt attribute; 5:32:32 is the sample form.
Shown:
8:02:26
